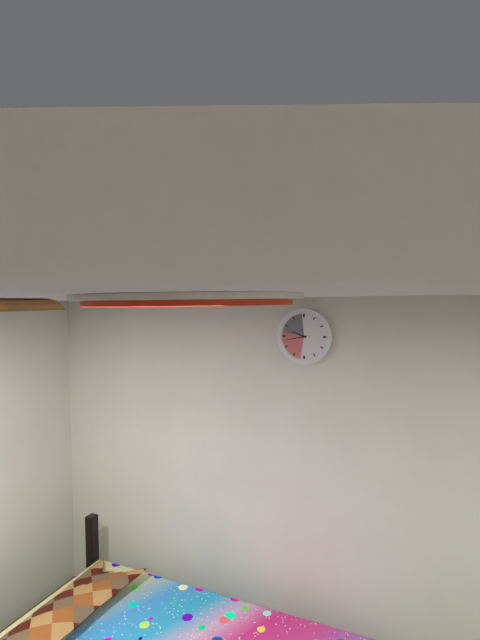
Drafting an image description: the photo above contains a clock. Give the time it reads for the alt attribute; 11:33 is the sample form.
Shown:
9:43
